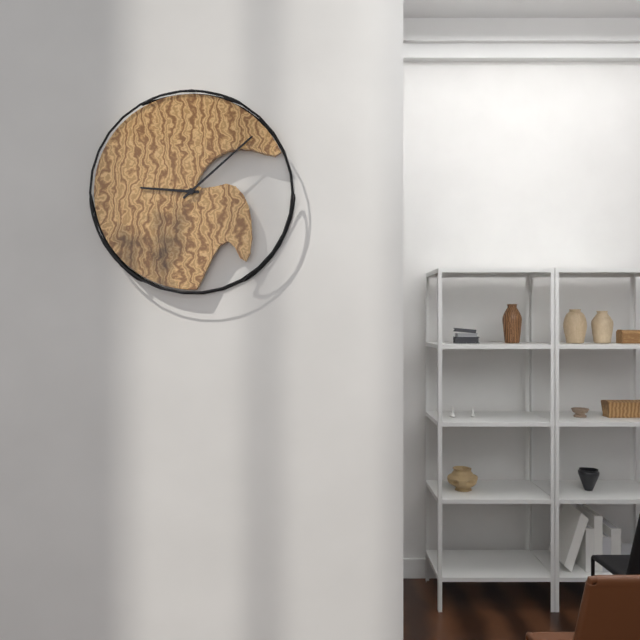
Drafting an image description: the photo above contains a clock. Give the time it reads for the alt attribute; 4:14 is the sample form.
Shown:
9:08
